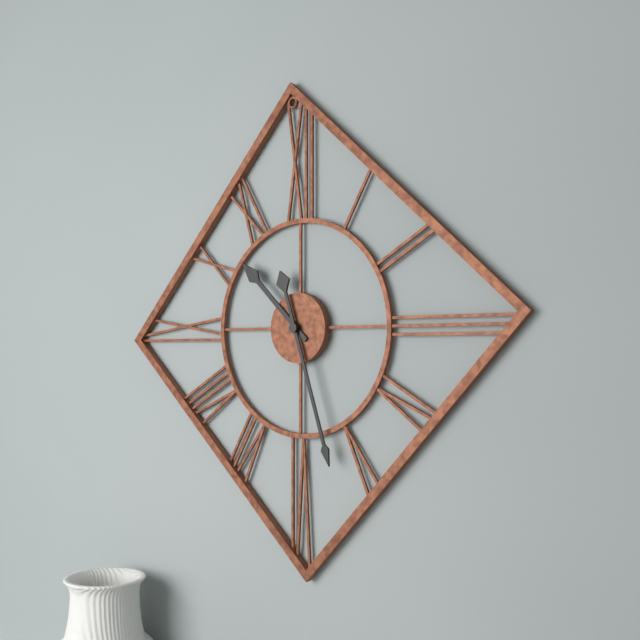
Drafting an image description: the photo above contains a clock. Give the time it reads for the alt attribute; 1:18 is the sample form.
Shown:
10:27
